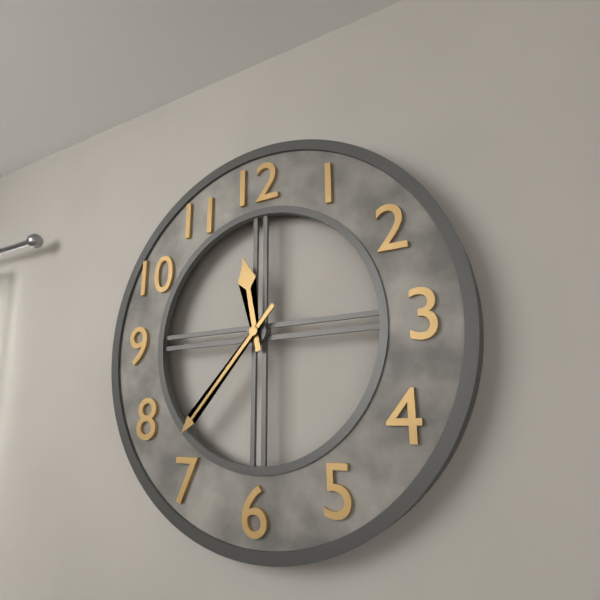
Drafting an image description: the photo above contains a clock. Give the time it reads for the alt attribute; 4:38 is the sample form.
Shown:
11:37
